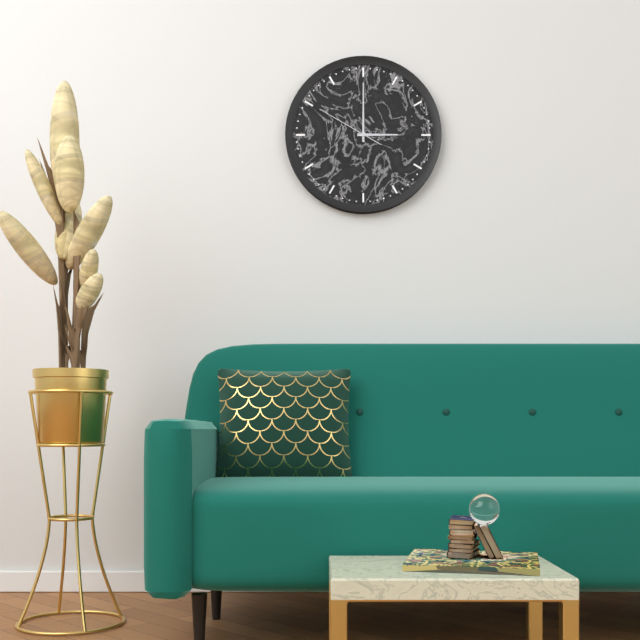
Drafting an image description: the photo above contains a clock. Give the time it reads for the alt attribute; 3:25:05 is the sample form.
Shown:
3:00:50
